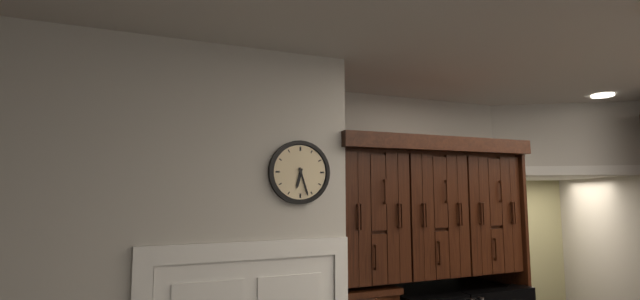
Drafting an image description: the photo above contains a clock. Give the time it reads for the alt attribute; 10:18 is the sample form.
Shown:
6:27
